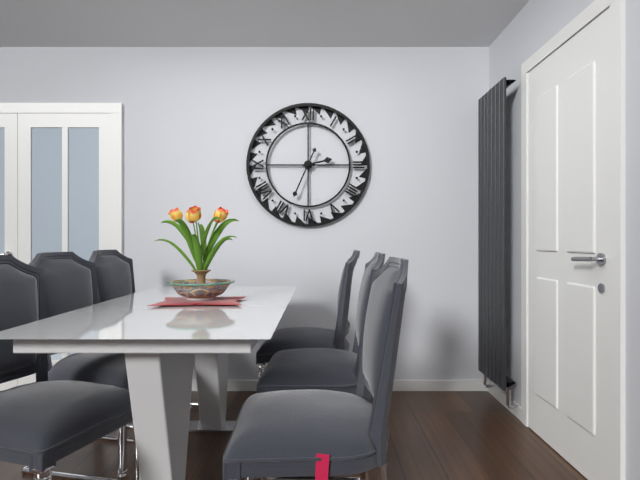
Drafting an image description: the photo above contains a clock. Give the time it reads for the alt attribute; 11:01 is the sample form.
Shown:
2:34
